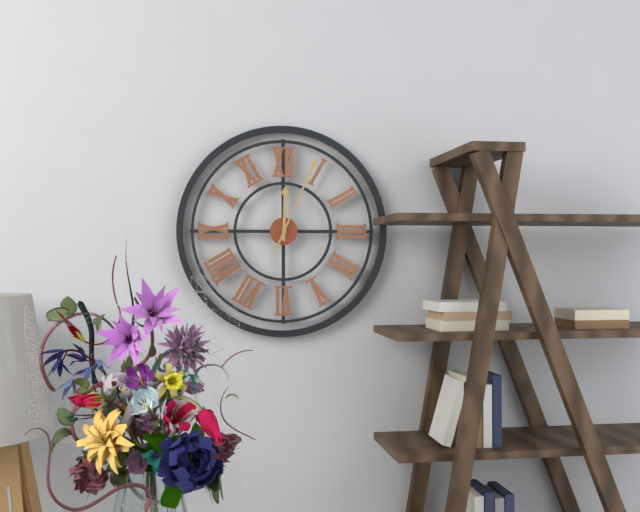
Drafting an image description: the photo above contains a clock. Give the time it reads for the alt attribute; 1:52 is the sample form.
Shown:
12:04
